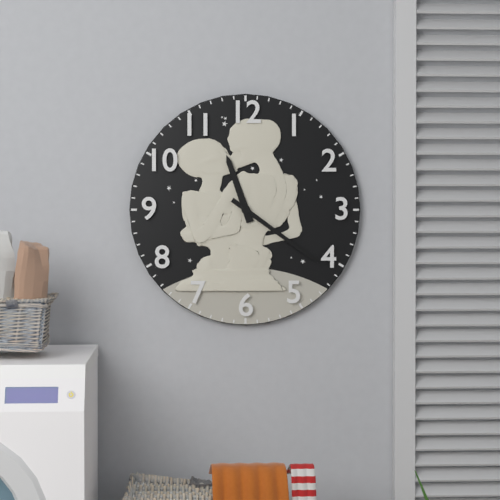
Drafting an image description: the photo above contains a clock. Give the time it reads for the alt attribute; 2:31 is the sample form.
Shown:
11:21
